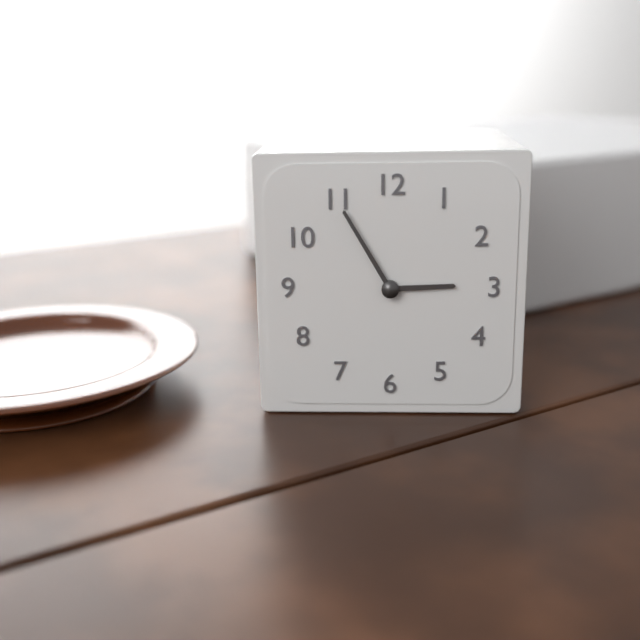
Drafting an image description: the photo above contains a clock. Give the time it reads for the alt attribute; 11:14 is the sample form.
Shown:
2:55
